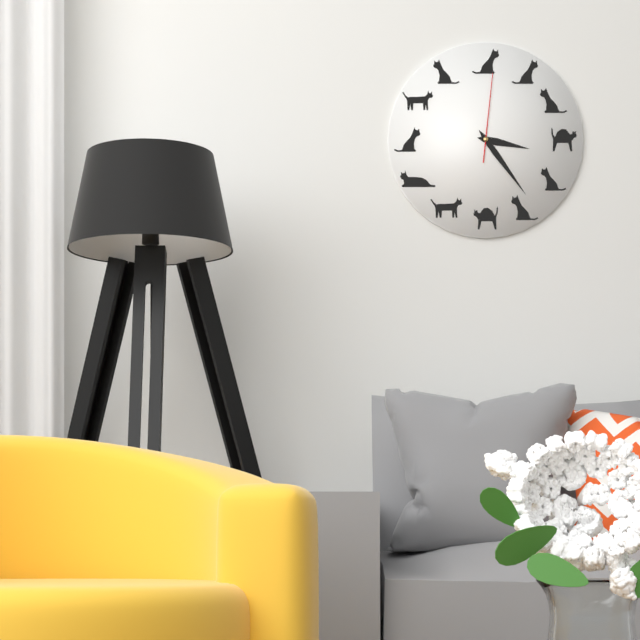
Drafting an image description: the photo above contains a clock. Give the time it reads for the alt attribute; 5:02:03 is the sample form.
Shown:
3:24:01
